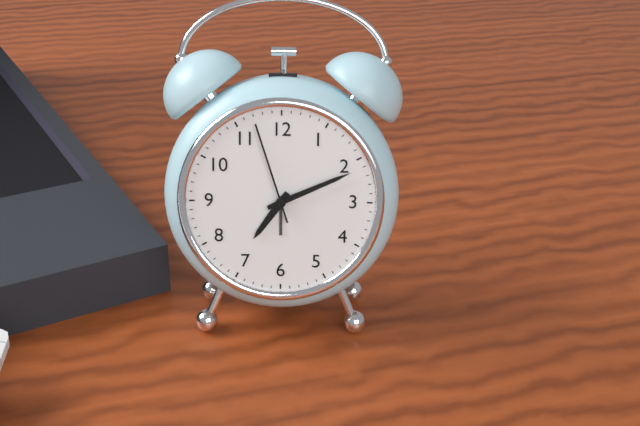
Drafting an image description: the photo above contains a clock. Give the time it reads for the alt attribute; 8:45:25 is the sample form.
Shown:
7:11:57
